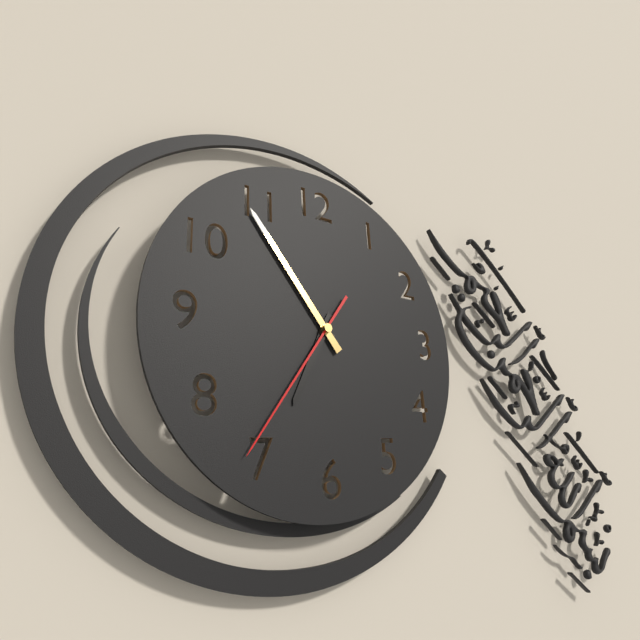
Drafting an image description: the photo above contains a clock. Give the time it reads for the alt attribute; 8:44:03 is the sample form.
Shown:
6:54:36
